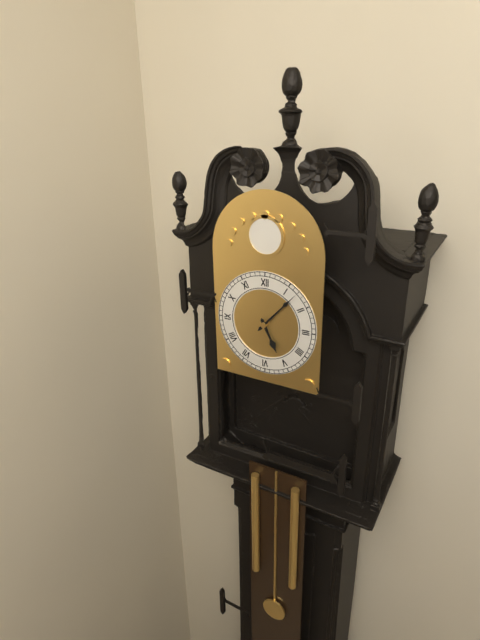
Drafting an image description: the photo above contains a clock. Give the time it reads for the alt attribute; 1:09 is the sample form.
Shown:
5:07
